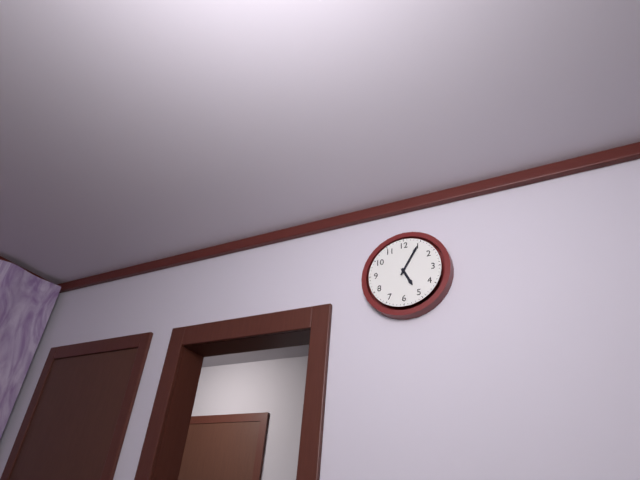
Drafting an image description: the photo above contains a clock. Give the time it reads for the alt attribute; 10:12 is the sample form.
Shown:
5:05
